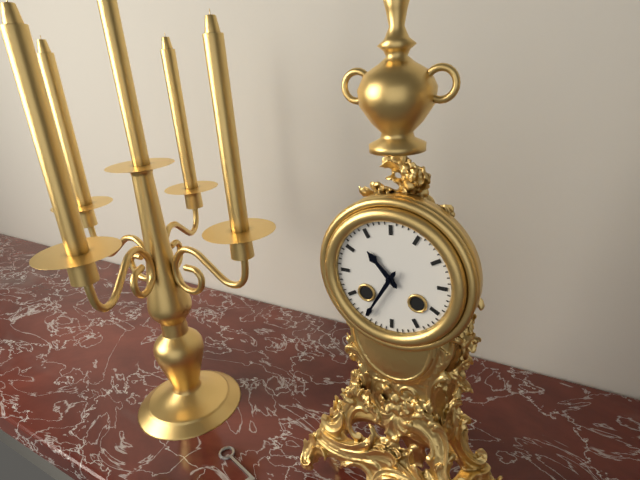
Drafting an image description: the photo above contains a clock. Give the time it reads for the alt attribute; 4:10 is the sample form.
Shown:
10:35
